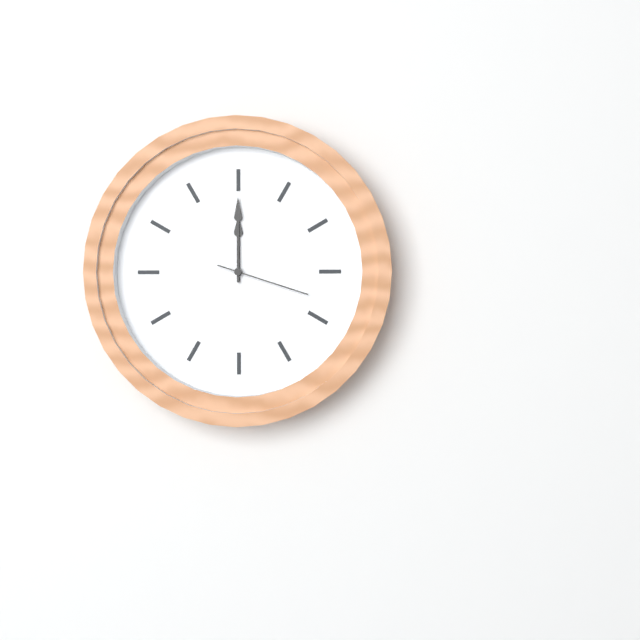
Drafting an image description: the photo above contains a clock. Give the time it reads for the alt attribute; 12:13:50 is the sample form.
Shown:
12:00:18
